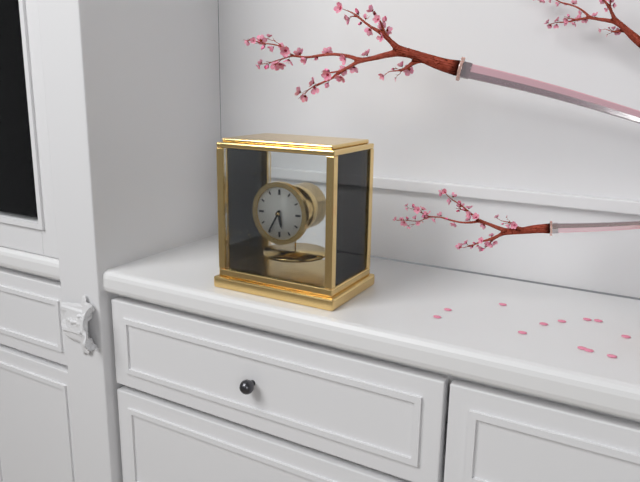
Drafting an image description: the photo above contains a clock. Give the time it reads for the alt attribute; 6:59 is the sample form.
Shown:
5:35
